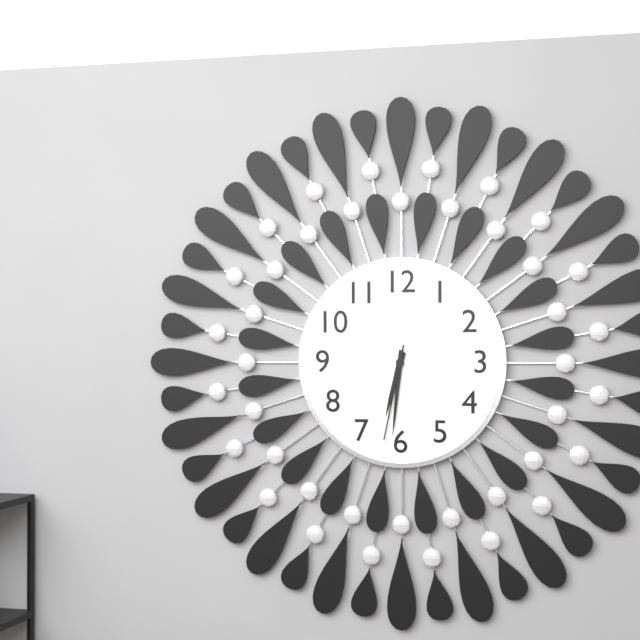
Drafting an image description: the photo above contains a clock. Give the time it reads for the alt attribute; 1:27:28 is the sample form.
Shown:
6:31:32
